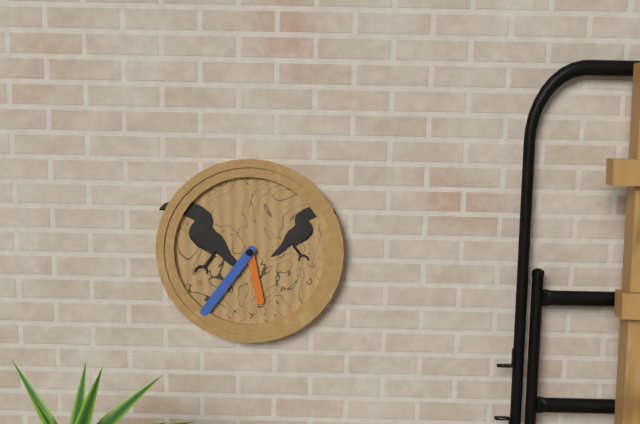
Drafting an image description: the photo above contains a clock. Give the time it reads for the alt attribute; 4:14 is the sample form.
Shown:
5:36
